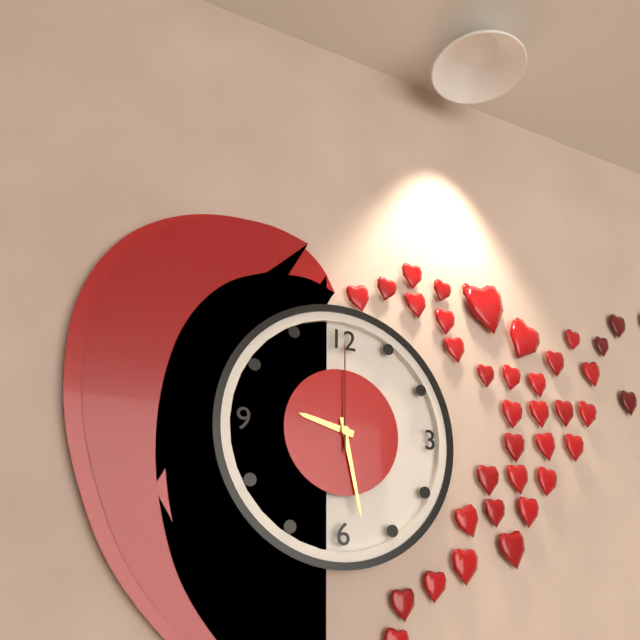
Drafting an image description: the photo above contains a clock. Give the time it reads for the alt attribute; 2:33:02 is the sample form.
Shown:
9:28:00
